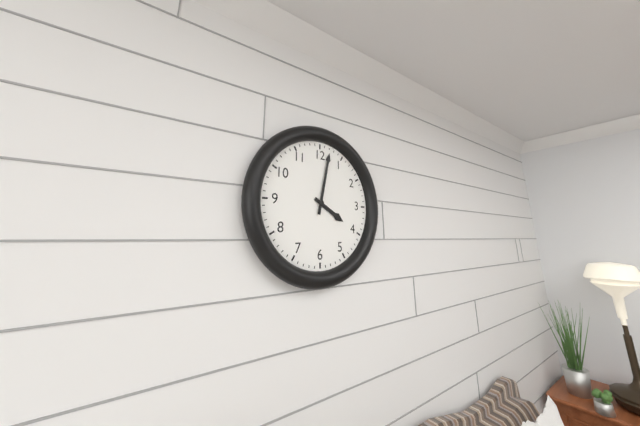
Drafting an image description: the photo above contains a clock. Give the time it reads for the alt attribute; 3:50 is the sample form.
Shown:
4:02
